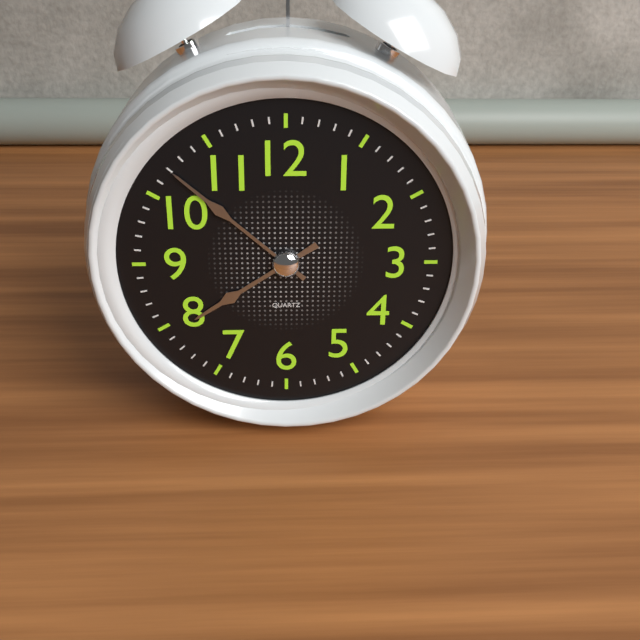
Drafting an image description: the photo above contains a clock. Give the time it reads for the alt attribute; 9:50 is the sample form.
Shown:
7:52
